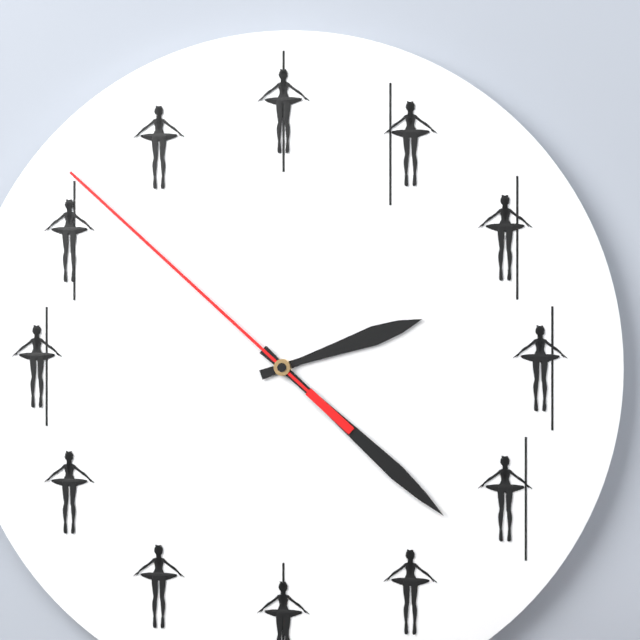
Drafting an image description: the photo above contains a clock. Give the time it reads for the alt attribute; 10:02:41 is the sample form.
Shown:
2:22:52
